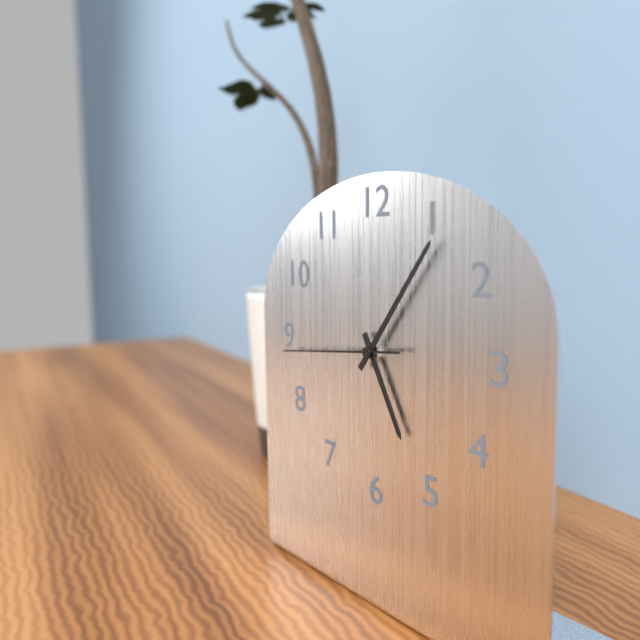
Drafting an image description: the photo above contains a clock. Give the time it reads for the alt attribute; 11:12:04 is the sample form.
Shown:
5:06:44
